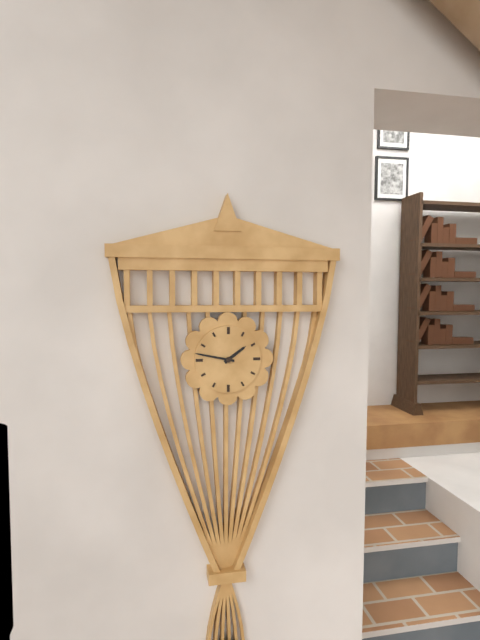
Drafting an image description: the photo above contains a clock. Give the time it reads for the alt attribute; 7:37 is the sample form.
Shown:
1:47
